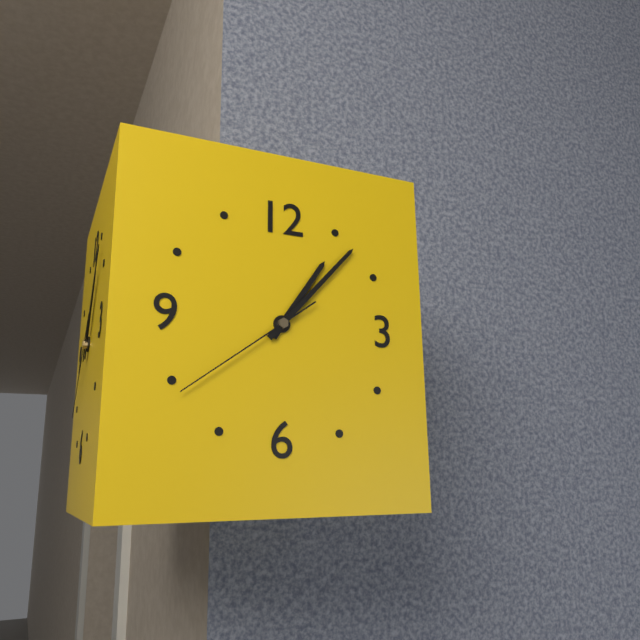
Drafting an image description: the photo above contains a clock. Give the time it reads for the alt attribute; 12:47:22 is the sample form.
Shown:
1:07:39
